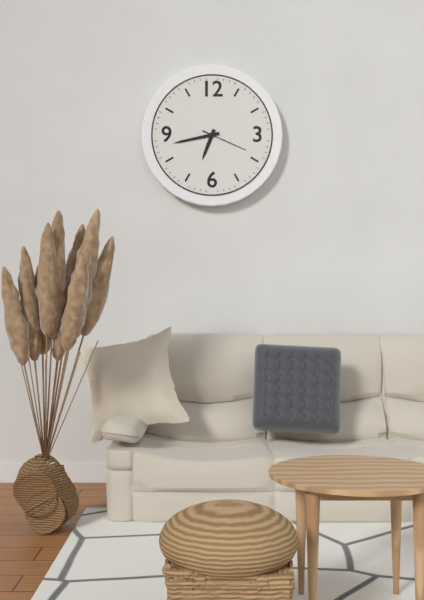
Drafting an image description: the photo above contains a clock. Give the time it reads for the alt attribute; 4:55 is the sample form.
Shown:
6:43
